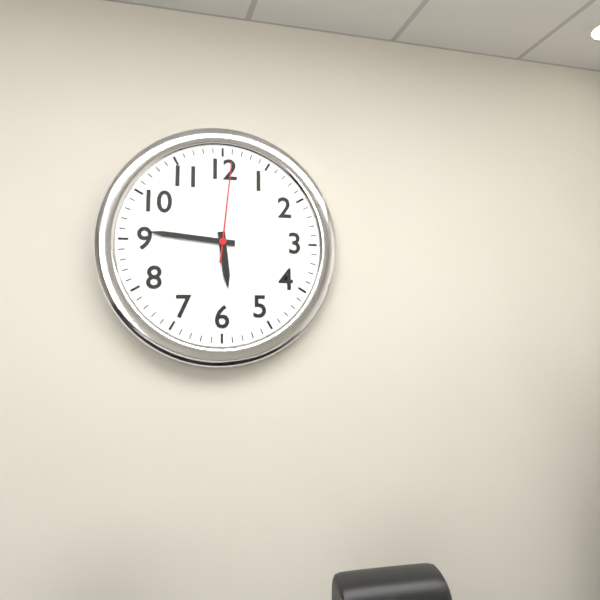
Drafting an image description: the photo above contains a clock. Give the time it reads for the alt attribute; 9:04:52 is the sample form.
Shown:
5:46:01
